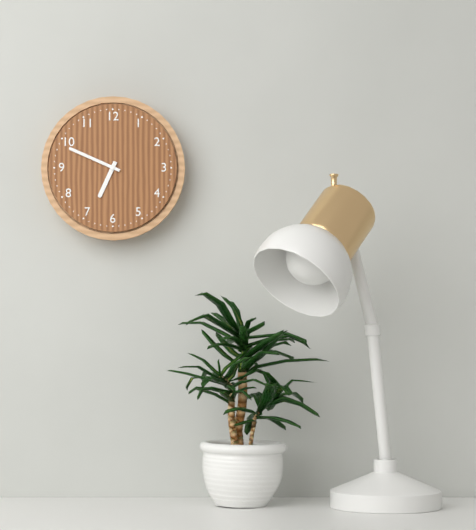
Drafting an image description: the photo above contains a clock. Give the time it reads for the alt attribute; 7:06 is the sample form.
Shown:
6:49
